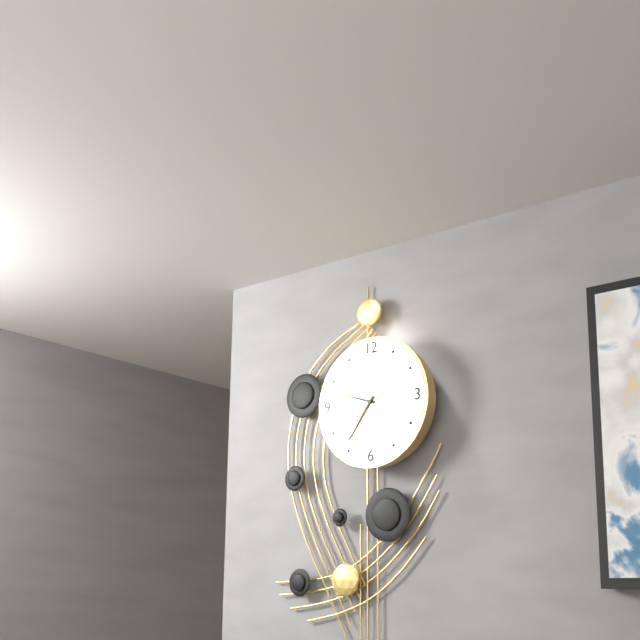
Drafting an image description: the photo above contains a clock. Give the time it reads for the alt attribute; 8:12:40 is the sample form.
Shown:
9:36:42
